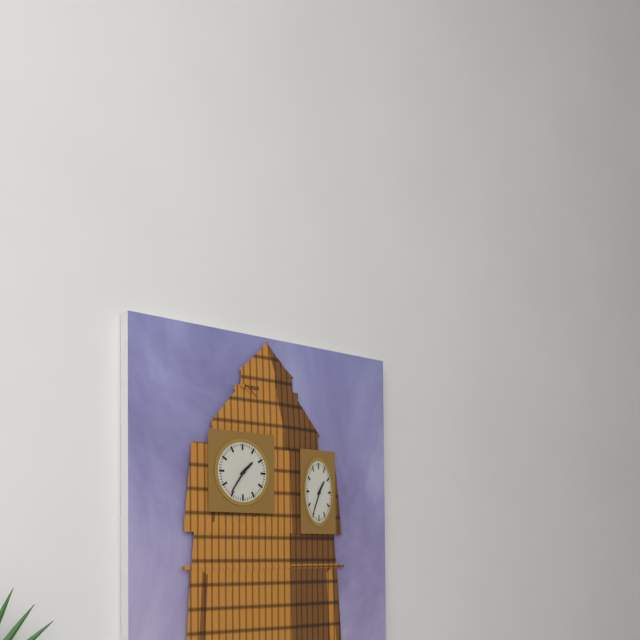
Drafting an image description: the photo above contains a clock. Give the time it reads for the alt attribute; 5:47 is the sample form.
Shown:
1:36
